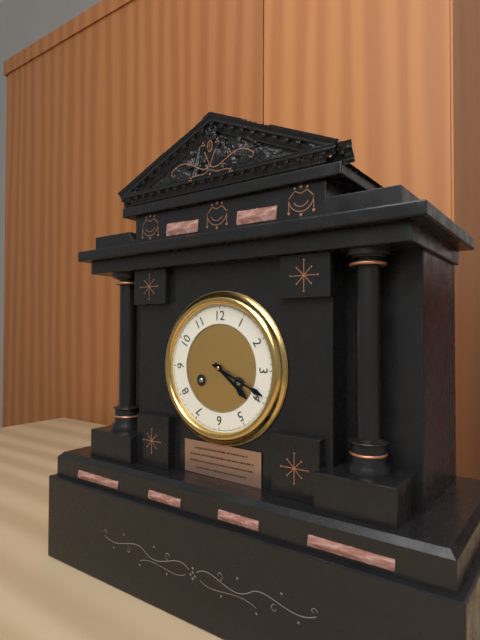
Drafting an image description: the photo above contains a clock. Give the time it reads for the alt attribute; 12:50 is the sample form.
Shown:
4:19
